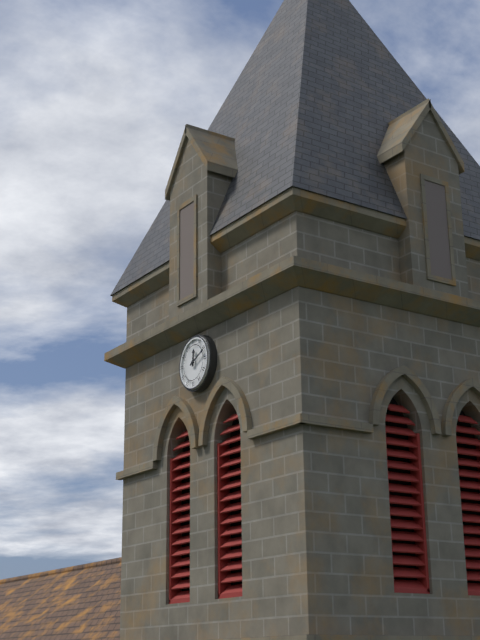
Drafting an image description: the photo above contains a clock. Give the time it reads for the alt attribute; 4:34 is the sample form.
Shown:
12:11
